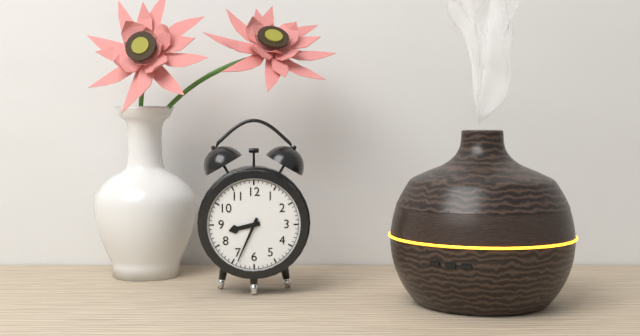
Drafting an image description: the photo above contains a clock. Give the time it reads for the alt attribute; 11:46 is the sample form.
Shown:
8:34
